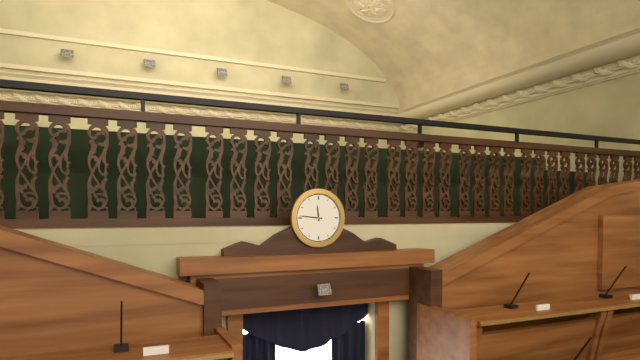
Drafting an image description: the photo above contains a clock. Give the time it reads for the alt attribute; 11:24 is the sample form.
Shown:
11:46
